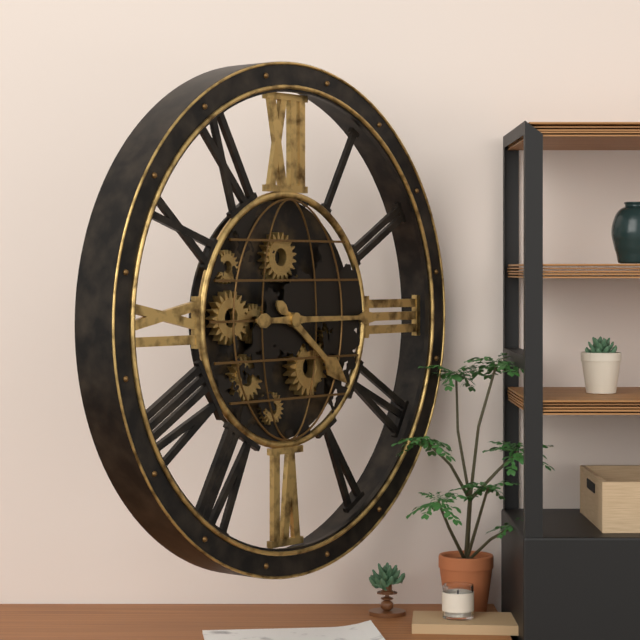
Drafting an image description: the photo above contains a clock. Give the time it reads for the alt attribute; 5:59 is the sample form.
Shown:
4:15
